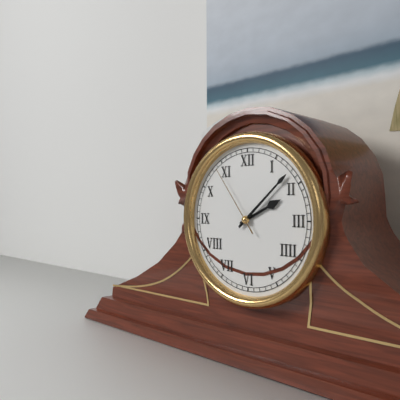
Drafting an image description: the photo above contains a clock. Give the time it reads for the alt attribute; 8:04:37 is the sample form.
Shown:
2:08:54
